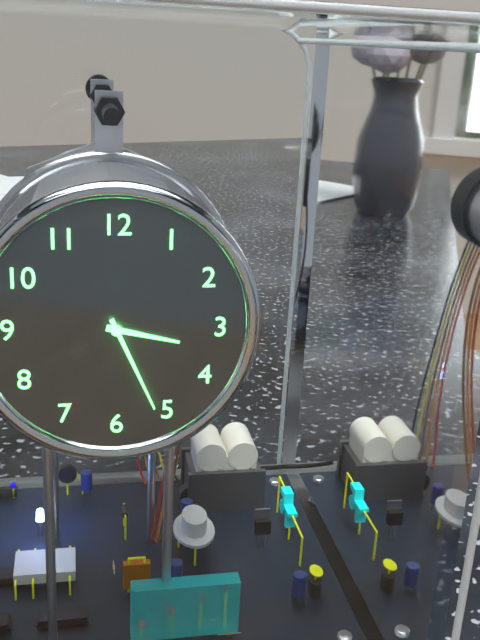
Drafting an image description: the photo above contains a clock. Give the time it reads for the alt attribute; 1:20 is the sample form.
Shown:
3:26
